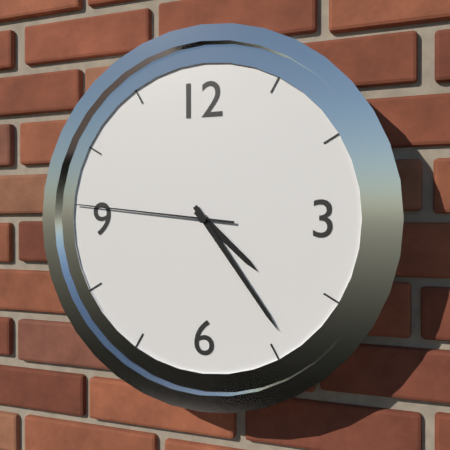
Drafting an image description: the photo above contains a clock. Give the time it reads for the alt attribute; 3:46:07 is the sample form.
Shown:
4:24:46
